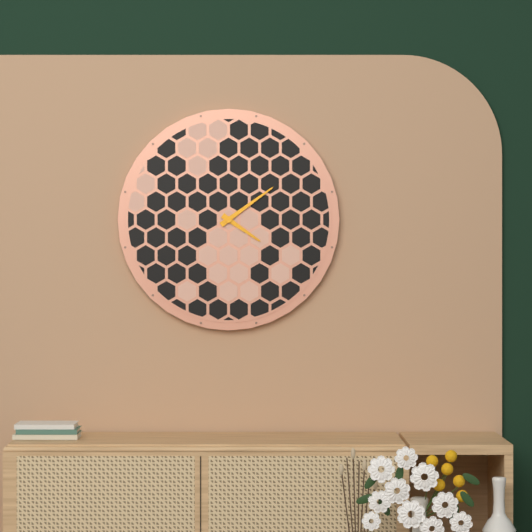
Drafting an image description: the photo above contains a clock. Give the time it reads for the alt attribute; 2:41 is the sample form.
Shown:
4:09
